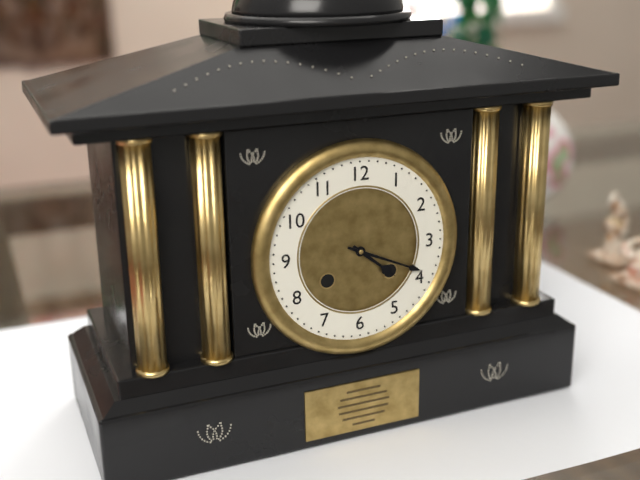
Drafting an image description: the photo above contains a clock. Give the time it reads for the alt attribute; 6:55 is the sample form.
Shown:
4:19
